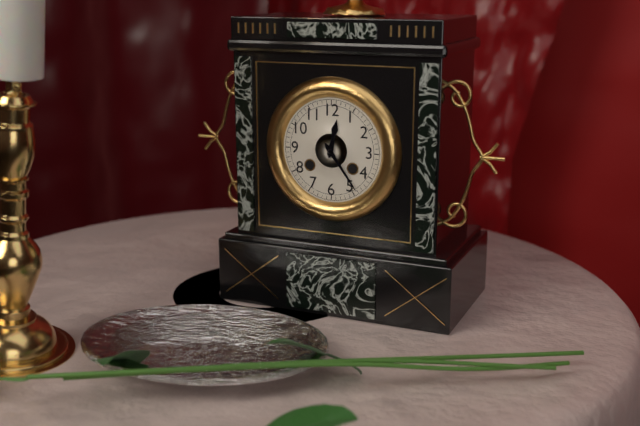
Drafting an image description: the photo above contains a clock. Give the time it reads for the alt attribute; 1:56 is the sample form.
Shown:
12:24
